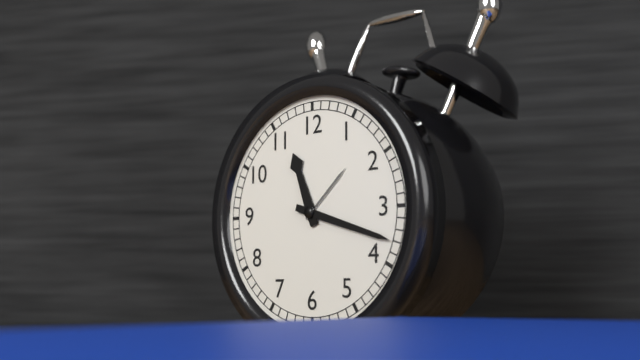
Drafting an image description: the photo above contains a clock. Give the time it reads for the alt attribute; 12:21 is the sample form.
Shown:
11:18
